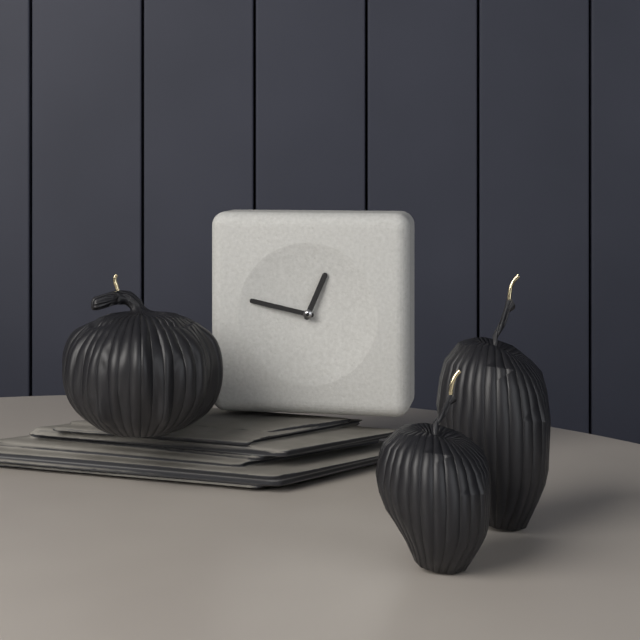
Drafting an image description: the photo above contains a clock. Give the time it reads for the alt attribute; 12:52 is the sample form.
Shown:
12:47
